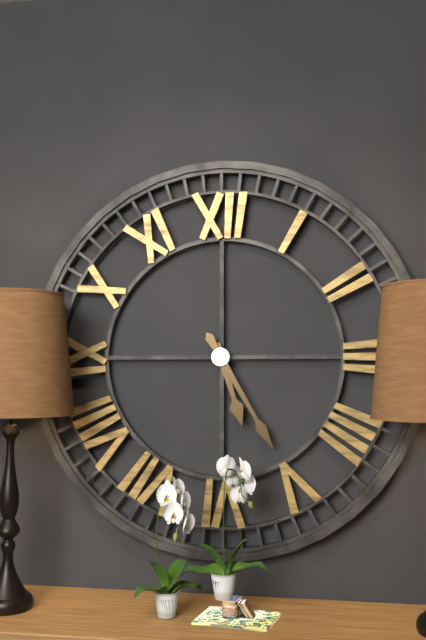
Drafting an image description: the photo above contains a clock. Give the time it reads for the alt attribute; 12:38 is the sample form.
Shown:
5:25
